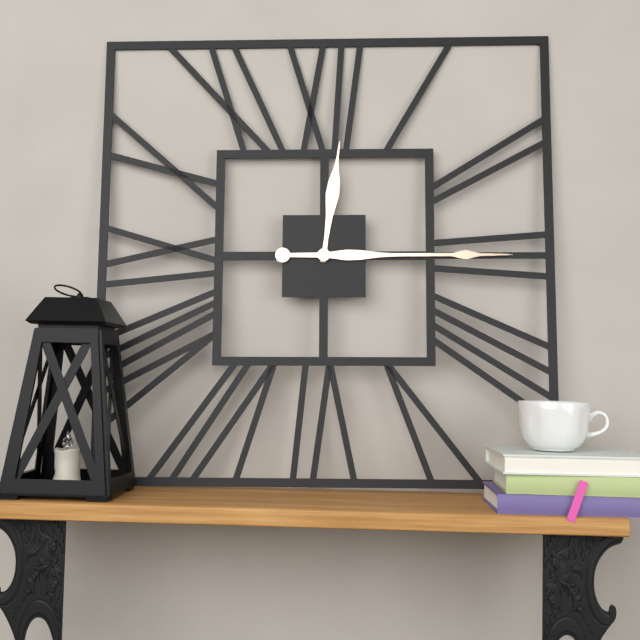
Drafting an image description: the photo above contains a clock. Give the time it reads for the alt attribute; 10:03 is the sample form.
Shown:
12:15
